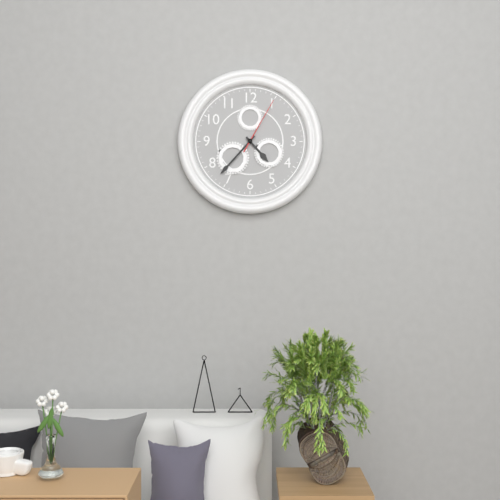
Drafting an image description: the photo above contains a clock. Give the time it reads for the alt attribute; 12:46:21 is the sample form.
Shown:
4:37:05
